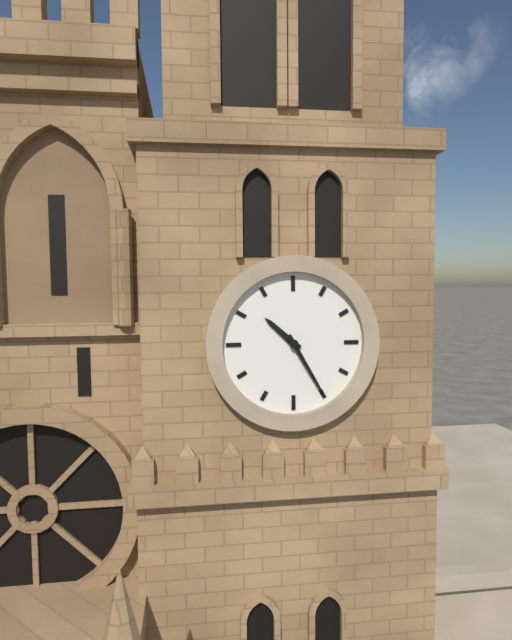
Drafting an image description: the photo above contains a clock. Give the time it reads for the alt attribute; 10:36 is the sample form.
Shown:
10:25
